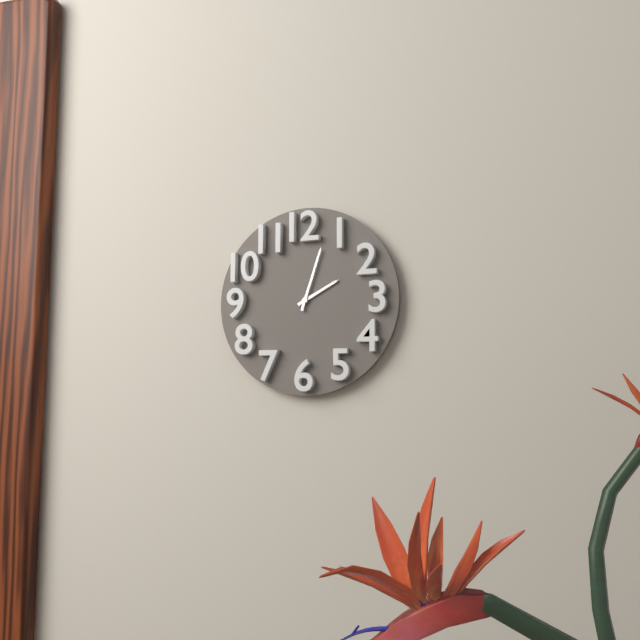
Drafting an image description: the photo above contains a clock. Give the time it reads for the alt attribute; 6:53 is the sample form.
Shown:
2:03
